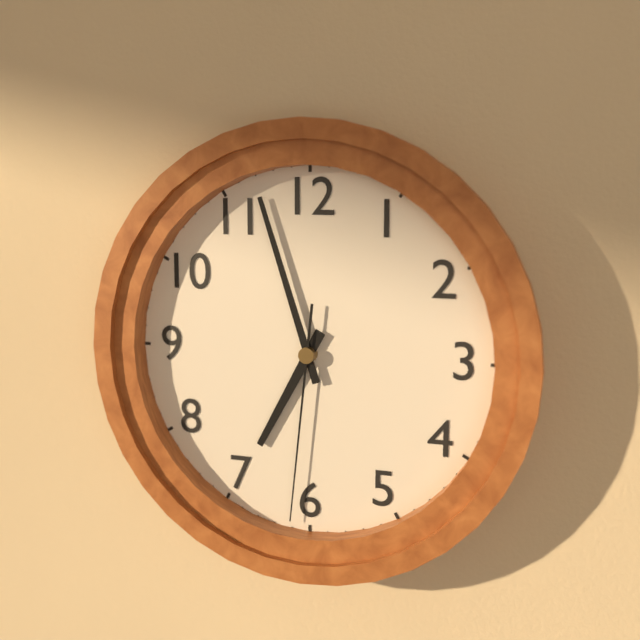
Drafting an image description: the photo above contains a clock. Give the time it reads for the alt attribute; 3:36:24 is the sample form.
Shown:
6:57:31
